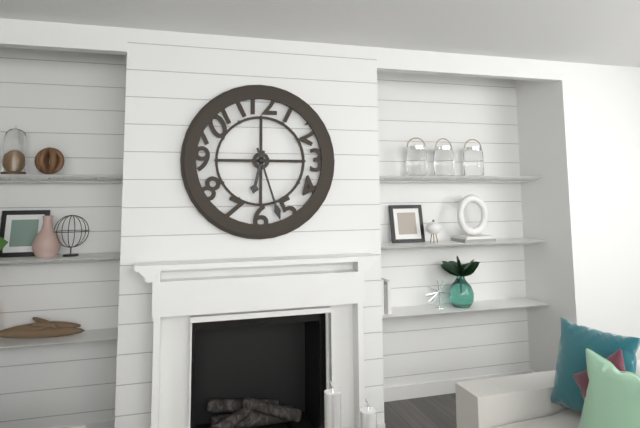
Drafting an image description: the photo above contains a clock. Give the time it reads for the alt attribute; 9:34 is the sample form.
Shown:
6:27
